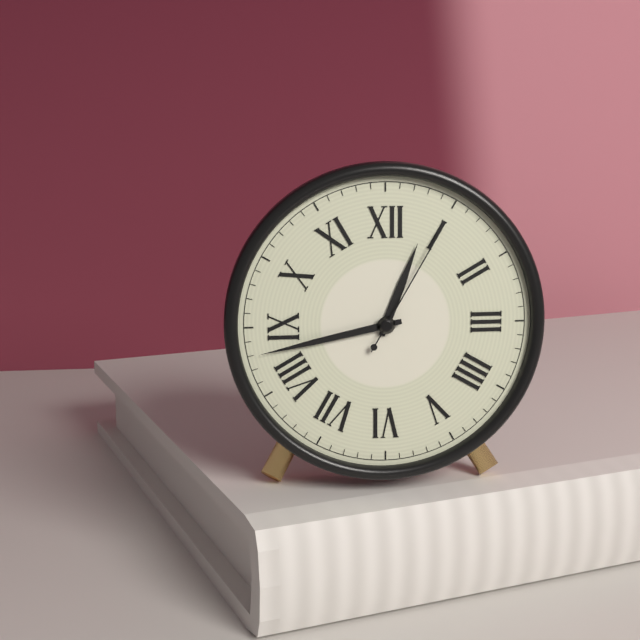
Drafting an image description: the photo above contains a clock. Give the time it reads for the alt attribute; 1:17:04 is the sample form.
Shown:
12:43:05
